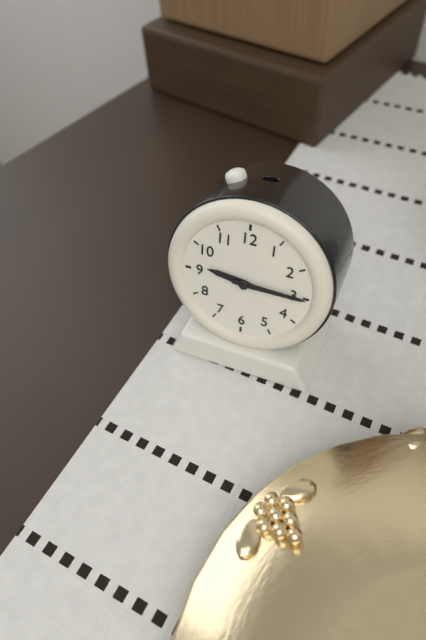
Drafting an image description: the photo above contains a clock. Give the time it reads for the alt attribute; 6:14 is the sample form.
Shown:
9:15
